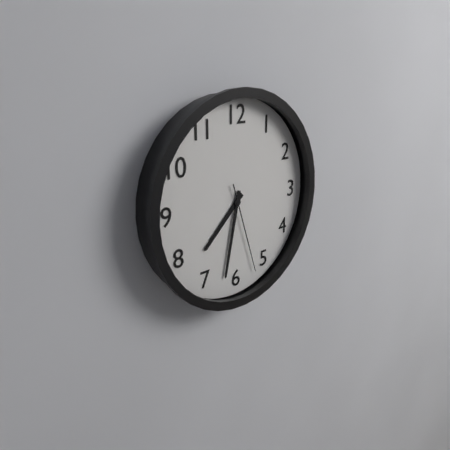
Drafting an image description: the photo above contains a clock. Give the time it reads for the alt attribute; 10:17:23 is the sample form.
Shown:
7:32:27
